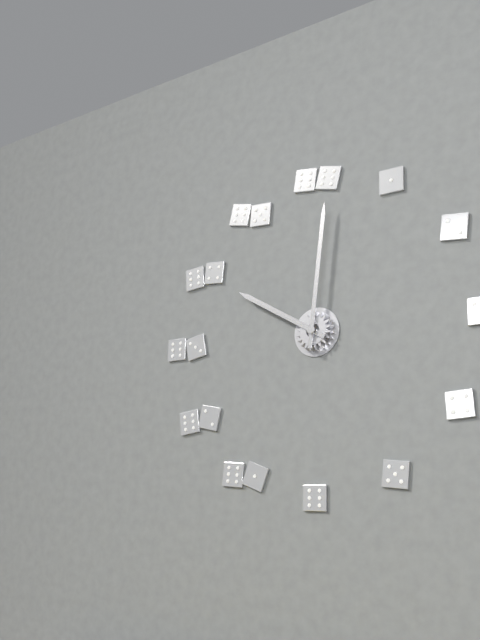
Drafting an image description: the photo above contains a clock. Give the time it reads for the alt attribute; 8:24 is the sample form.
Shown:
10:01
